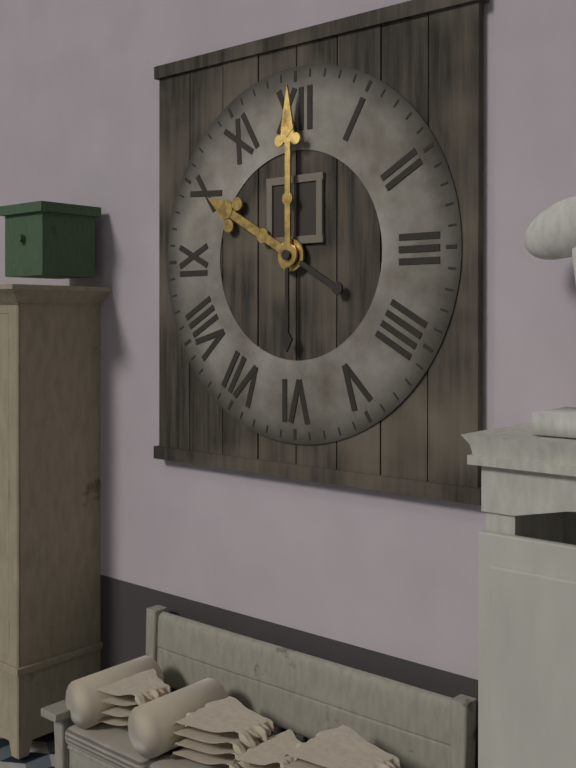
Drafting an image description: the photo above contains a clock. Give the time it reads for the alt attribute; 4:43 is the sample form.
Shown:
10:00
